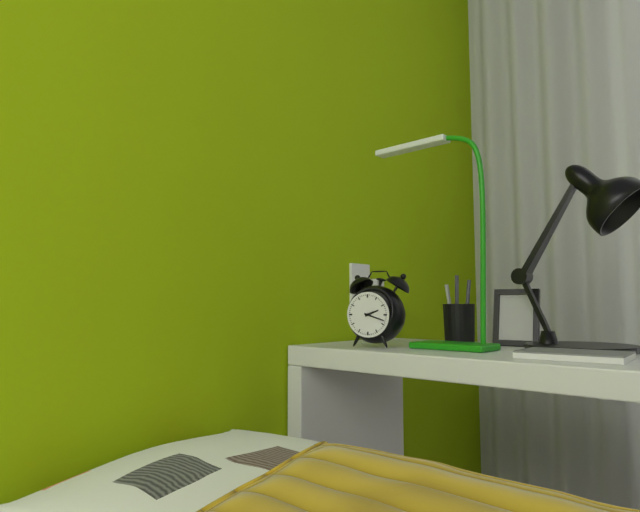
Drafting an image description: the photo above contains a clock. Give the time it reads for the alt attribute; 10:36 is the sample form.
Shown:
2:18
